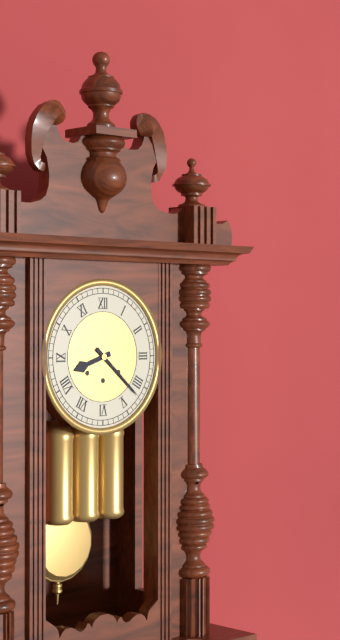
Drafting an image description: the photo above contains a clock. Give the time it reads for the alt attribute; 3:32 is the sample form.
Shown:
8:22
